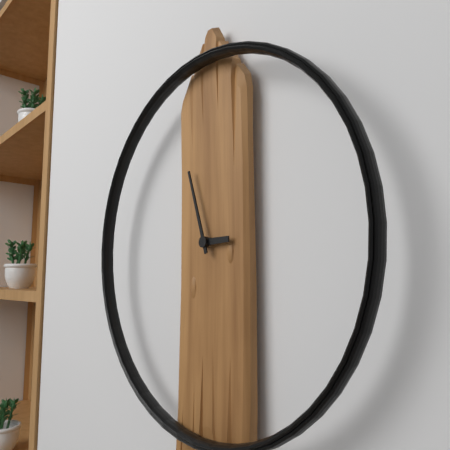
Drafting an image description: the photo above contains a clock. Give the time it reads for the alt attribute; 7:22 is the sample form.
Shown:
2:57
